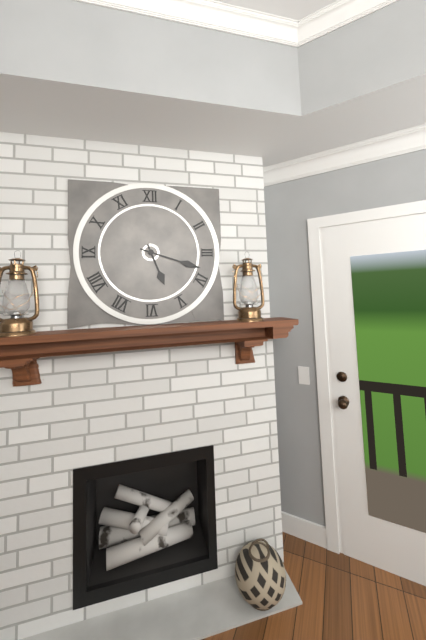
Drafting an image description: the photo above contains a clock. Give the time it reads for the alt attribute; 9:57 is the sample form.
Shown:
5:18
